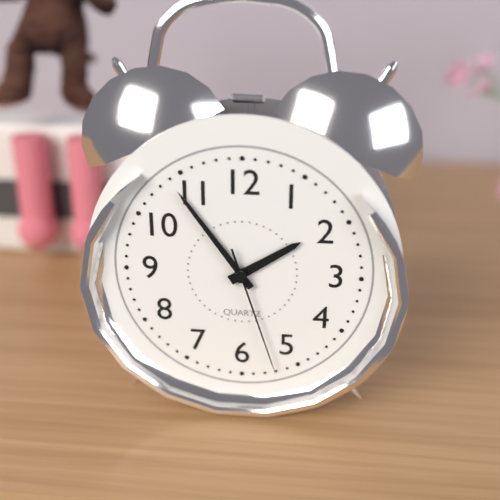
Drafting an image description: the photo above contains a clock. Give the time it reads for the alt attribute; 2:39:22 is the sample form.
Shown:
1:54:27
